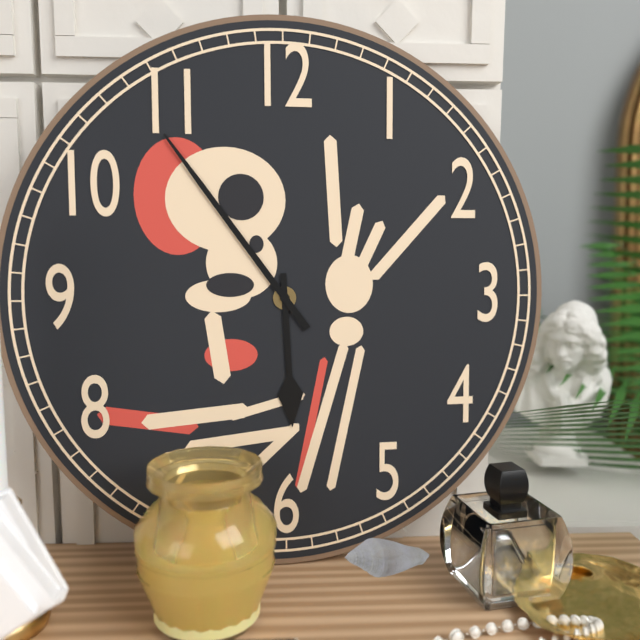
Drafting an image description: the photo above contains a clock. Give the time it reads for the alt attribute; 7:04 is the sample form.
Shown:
5:54
